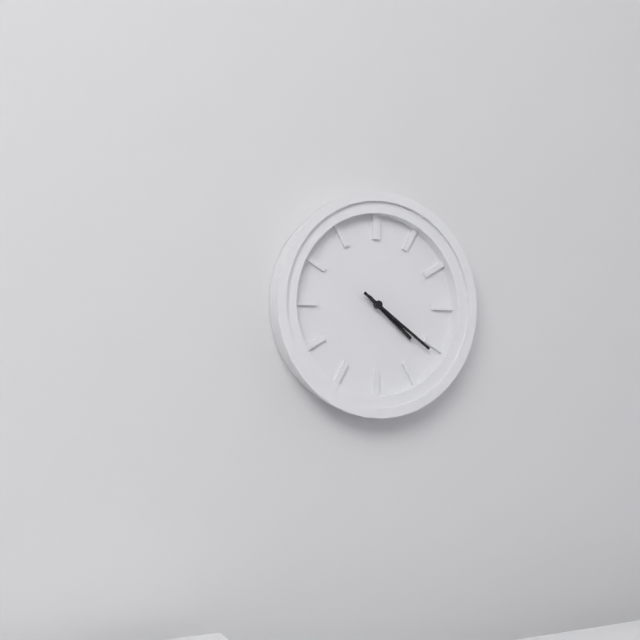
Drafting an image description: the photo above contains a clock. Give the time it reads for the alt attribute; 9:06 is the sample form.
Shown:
4:21
